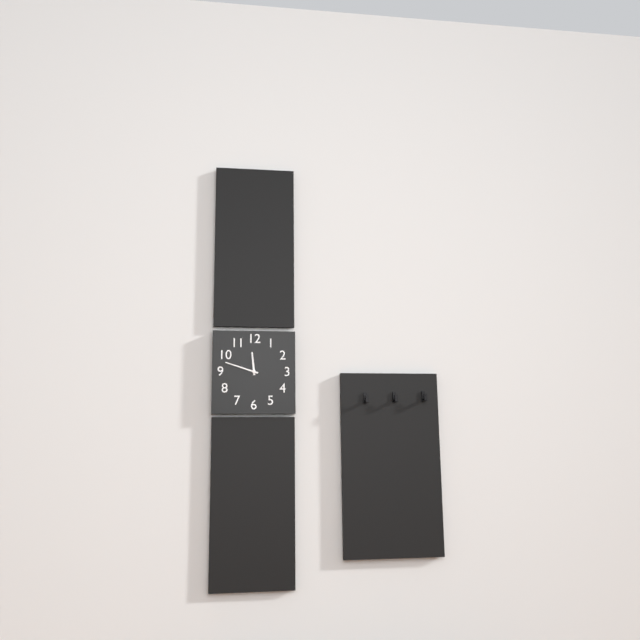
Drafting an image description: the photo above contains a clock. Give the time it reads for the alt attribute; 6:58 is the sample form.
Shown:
11:48
